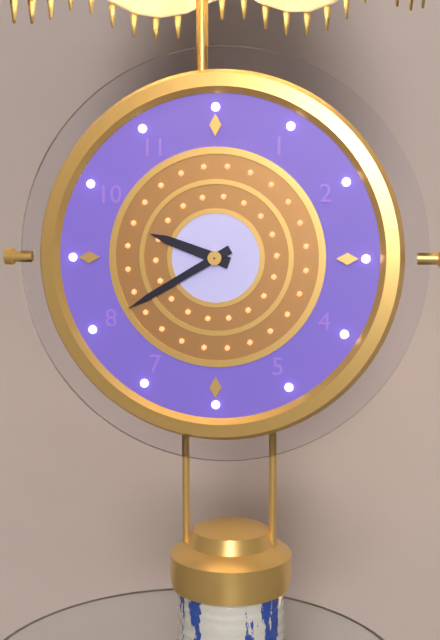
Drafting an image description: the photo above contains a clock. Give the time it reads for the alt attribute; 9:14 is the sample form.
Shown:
9:40
